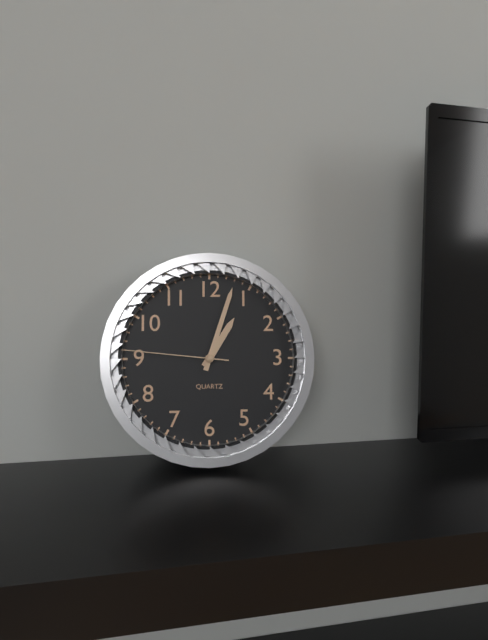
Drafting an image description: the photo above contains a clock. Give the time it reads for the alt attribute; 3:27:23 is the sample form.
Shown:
1:03:46
